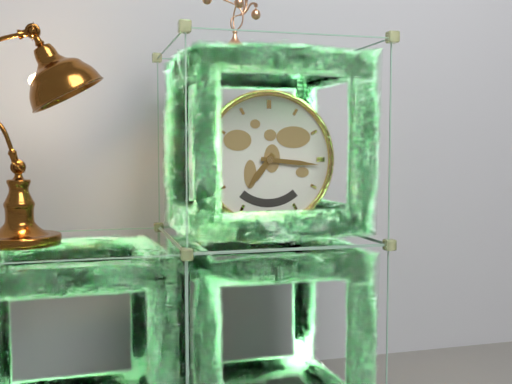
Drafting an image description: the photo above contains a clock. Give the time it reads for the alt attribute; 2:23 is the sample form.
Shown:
7:16
